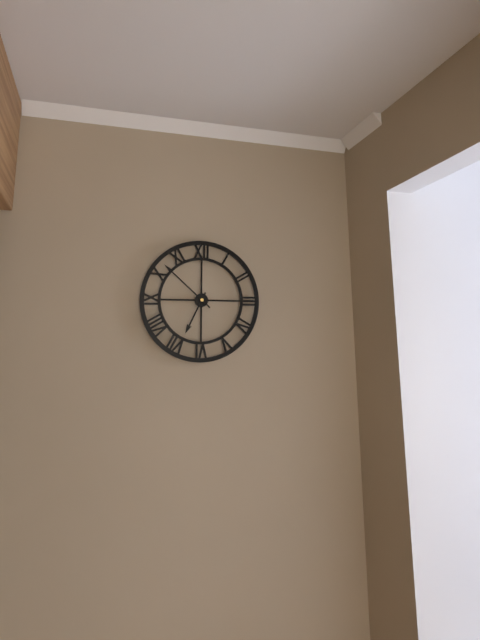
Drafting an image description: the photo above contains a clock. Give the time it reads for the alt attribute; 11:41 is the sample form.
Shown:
6:52
